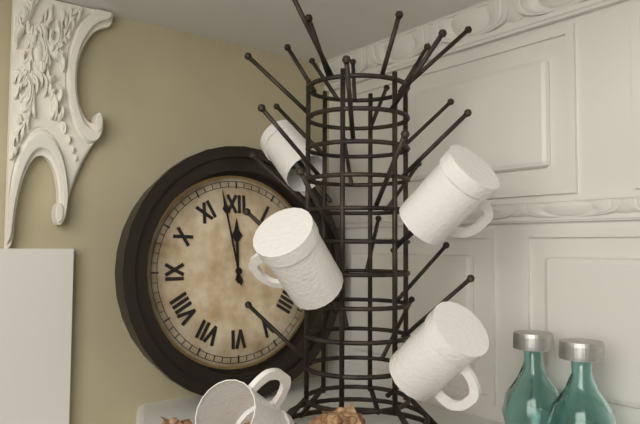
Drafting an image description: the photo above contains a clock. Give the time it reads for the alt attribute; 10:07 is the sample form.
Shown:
11:58
